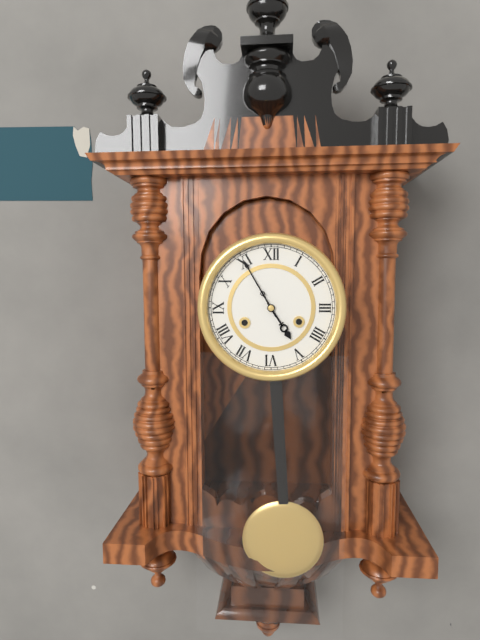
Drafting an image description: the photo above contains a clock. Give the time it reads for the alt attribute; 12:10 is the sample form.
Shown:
4:55
